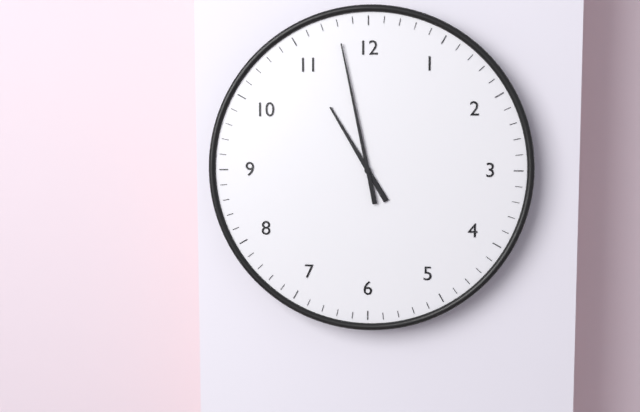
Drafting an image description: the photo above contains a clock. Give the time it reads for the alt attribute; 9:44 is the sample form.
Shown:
10:58
